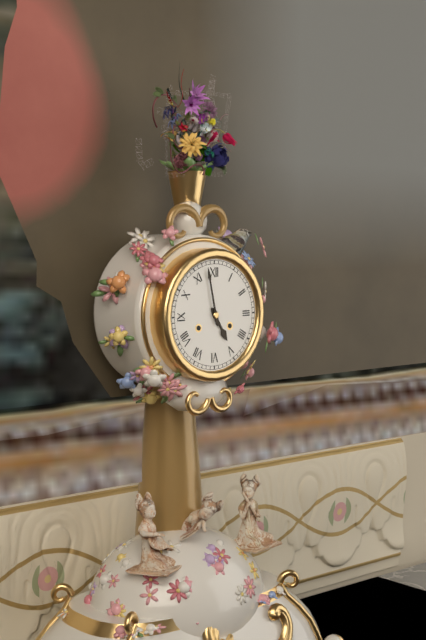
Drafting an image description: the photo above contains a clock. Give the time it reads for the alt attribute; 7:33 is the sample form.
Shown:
4:58
